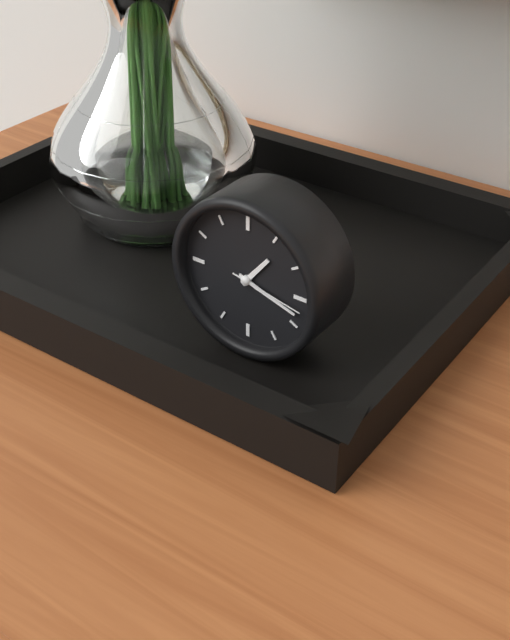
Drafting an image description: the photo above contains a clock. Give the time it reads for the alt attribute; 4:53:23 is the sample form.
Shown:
1:18:17
